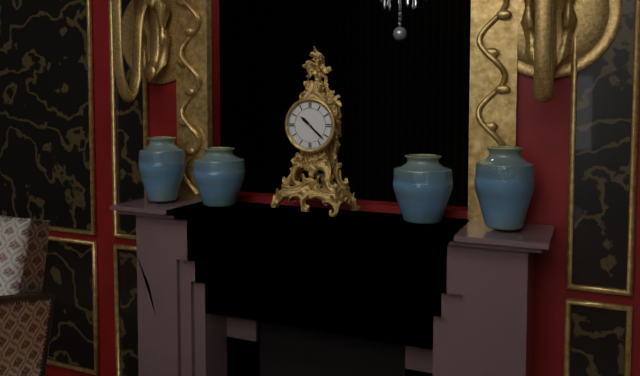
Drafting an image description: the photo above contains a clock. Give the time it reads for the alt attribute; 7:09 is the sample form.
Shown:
10:22
